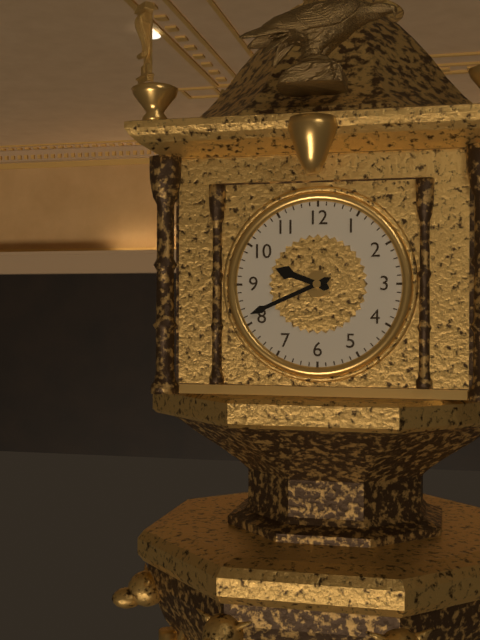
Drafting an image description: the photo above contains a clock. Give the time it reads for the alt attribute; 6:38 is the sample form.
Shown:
9:41
